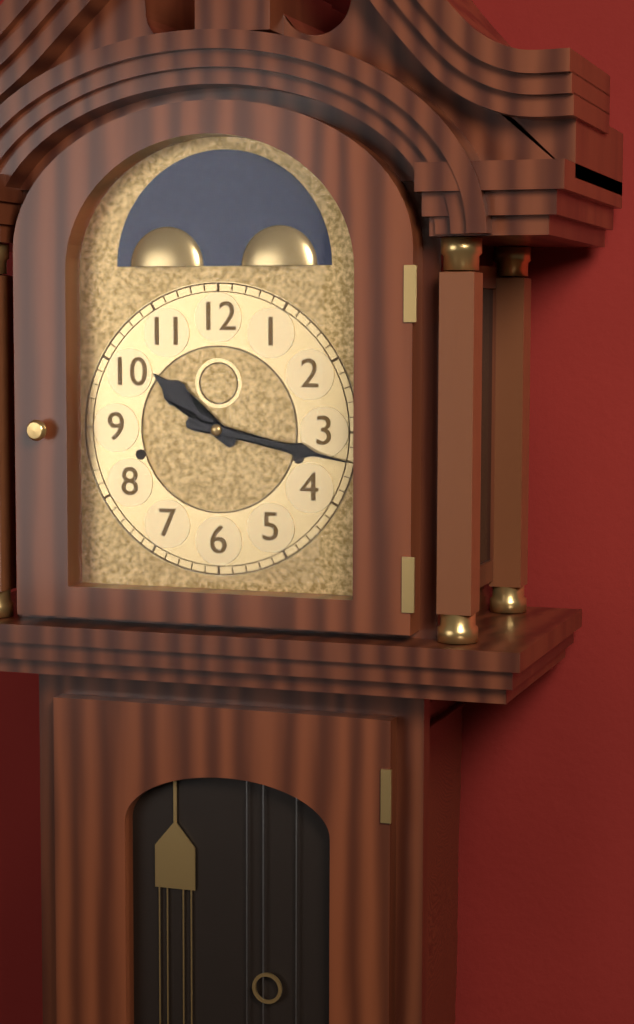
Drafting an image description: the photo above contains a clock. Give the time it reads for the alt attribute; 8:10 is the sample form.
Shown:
10:17
